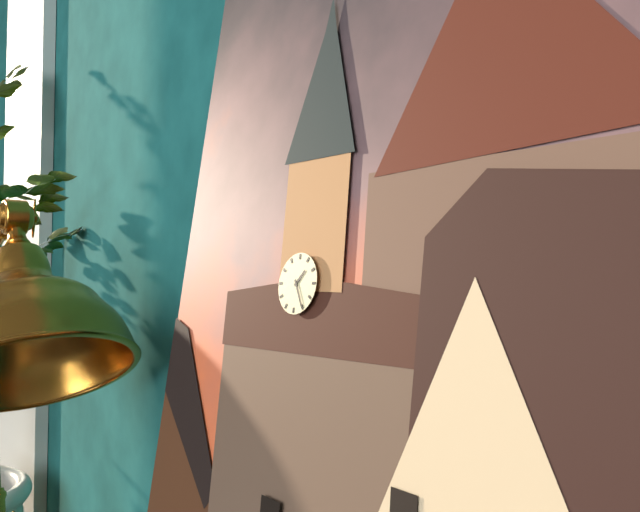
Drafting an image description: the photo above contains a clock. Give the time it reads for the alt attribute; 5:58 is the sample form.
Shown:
1:25
